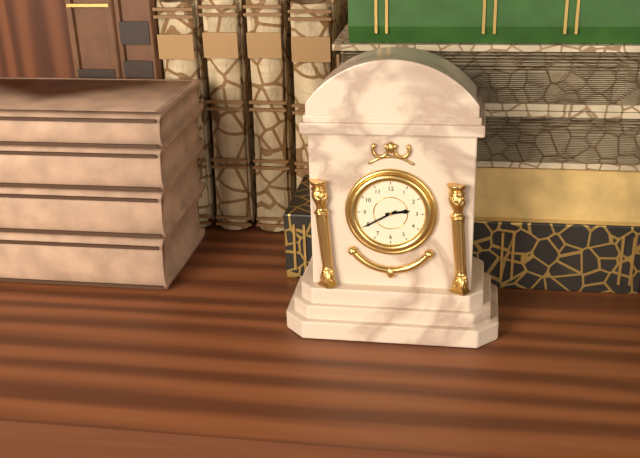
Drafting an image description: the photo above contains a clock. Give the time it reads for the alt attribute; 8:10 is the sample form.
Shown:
2:40
